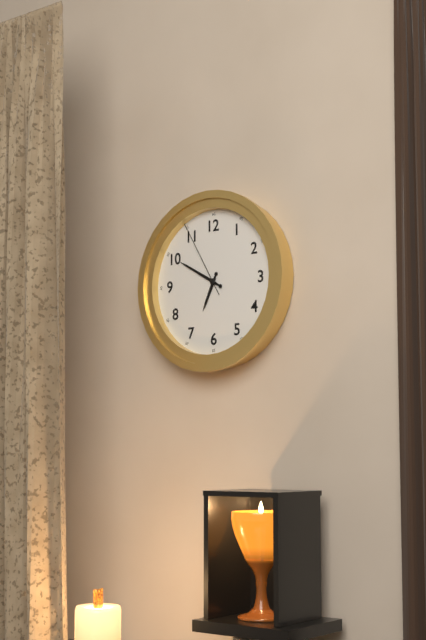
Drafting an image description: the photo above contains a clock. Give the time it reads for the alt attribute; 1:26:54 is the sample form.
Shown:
6:50:55
